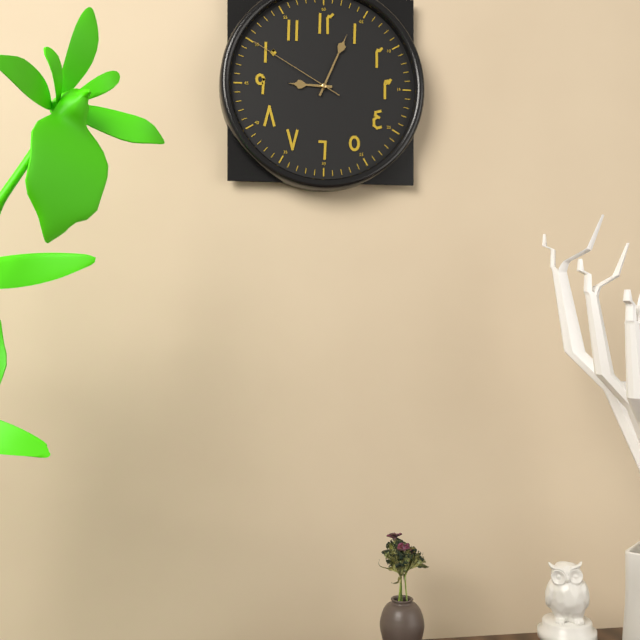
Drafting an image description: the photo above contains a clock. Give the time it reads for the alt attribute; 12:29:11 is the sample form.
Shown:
9:04:50
